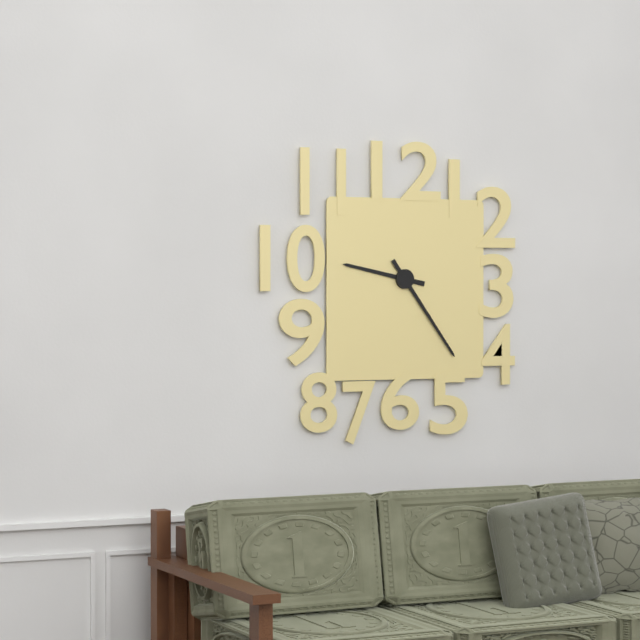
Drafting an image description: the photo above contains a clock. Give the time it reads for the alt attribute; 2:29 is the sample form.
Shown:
9:24
